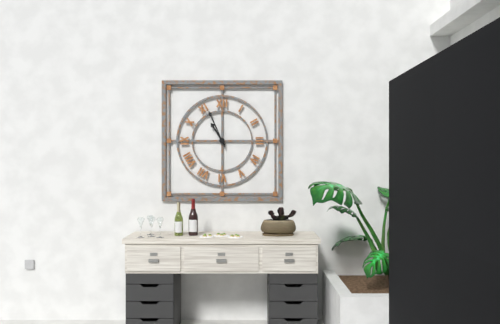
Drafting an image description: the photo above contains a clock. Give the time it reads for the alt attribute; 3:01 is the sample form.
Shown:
10:56
